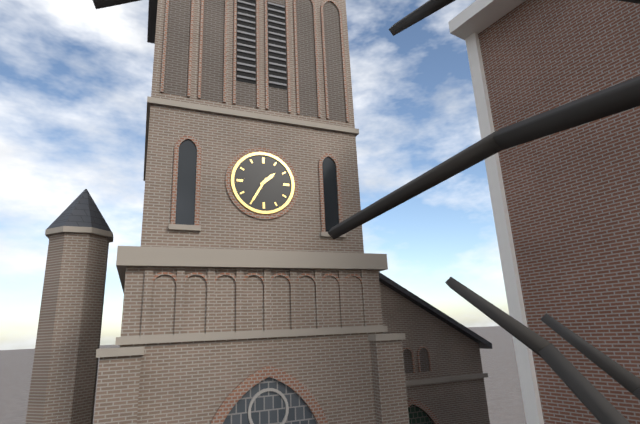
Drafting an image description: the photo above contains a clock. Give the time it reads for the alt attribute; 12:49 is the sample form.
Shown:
1:35
